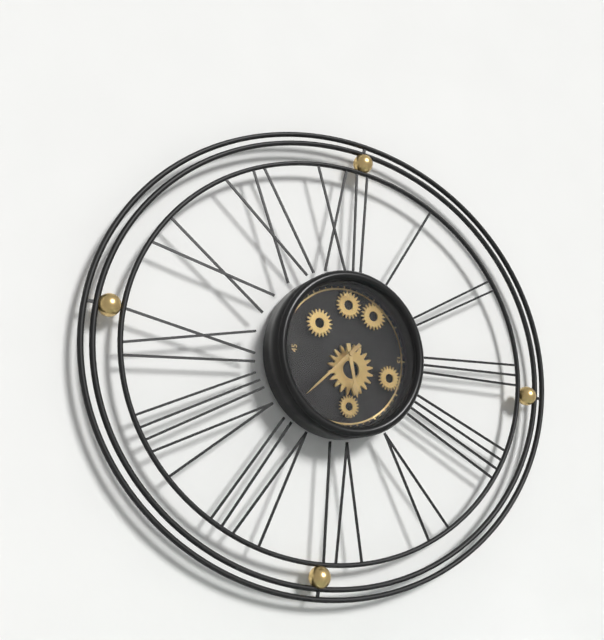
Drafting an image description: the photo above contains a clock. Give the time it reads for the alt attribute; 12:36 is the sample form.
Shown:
5:38
